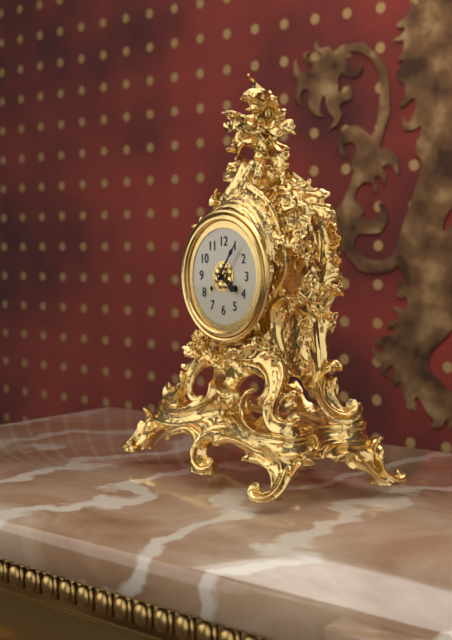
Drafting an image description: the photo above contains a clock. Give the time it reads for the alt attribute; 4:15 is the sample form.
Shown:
4:06
